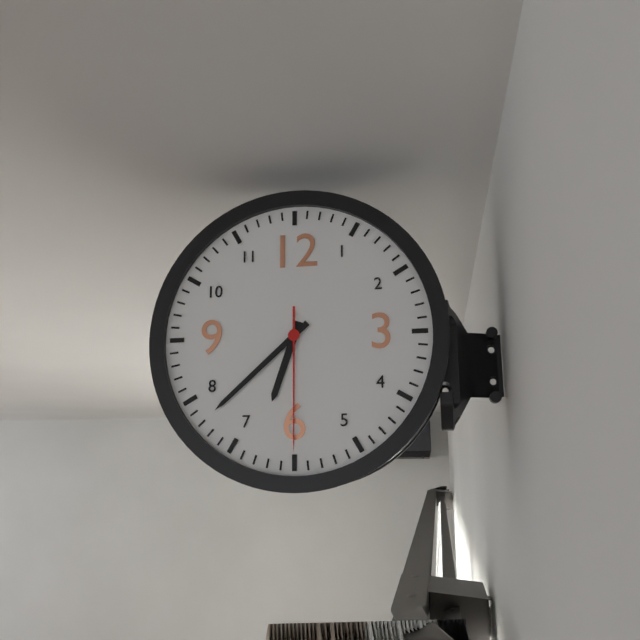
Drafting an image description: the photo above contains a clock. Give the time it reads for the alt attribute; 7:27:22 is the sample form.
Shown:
6:38:30
